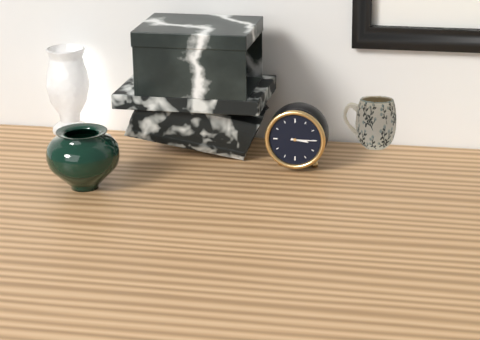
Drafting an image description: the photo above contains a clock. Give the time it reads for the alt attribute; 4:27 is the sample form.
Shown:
3:15
